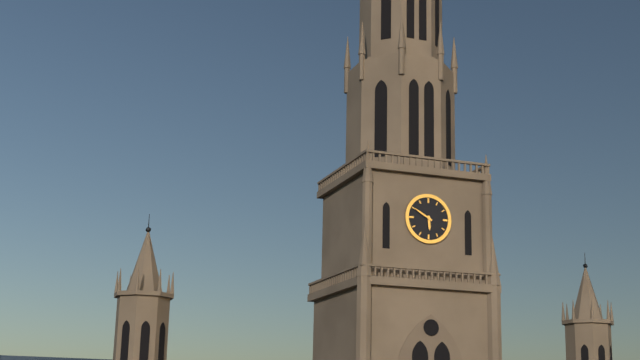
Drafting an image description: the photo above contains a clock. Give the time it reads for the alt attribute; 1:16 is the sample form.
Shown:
5:50
